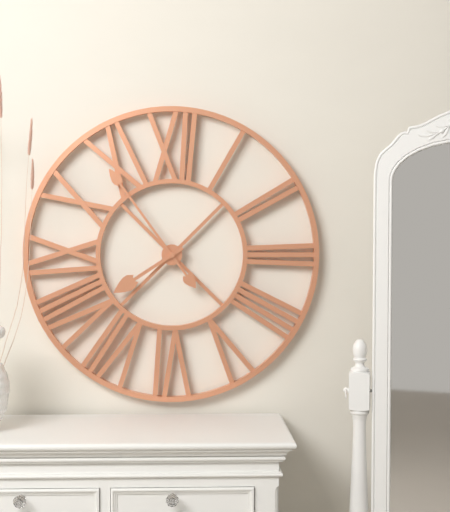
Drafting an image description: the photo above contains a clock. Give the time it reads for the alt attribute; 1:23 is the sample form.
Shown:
7:54
